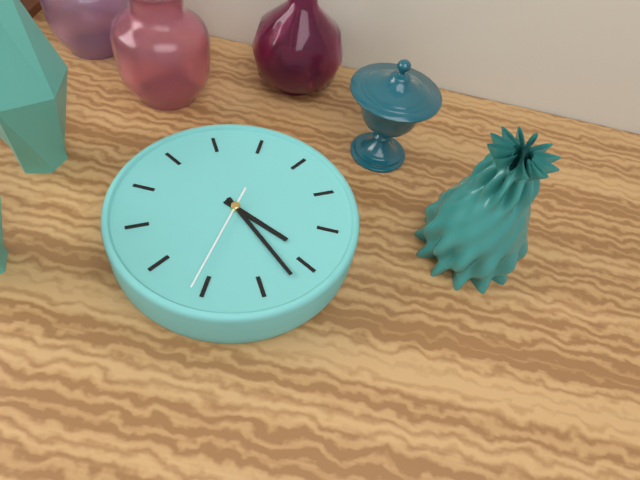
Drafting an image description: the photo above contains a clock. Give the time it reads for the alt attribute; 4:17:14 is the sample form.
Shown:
8:47:56
